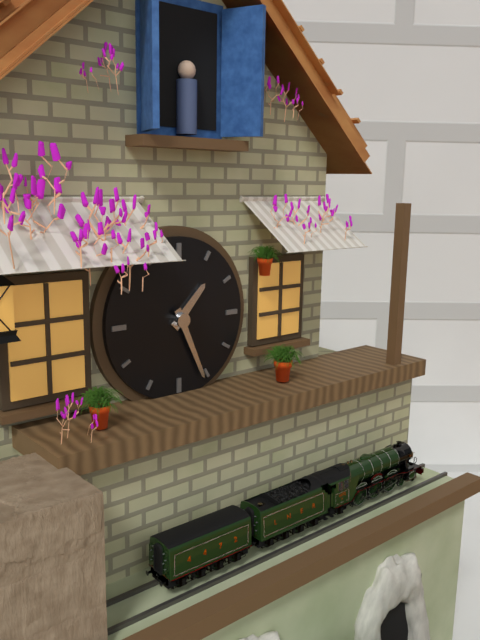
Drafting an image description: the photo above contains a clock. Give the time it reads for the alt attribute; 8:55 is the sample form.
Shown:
1:26
